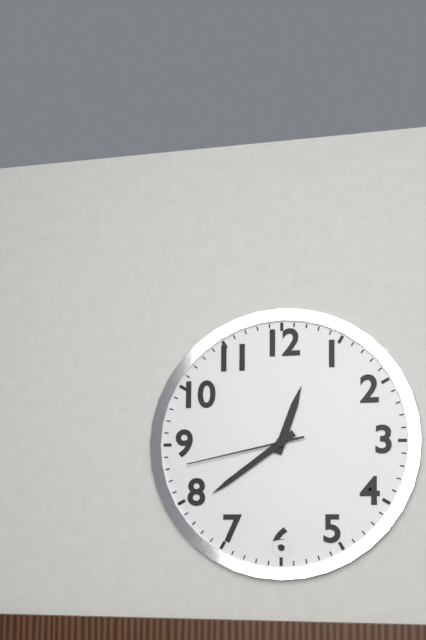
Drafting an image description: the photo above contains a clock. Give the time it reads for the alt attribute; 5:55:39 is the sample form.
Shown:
12:39:43
